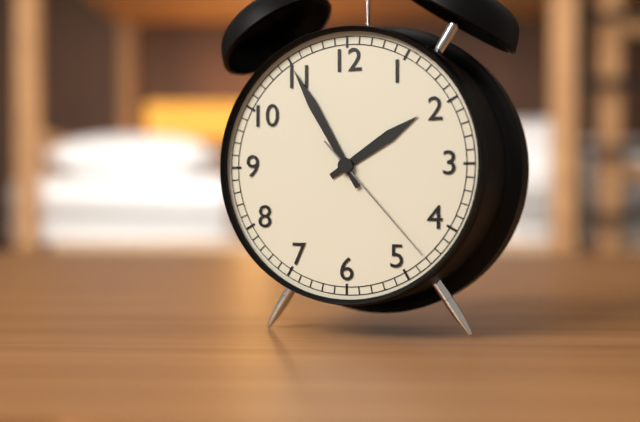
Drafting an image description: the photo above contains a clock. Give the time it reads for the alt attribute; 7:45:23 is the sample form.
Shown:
1:55:23
